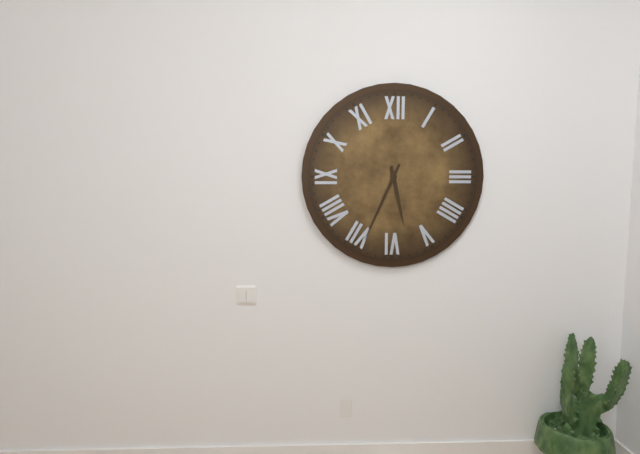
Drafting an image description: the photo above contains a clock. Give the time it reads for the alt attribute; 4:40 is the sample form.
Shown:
5:34
